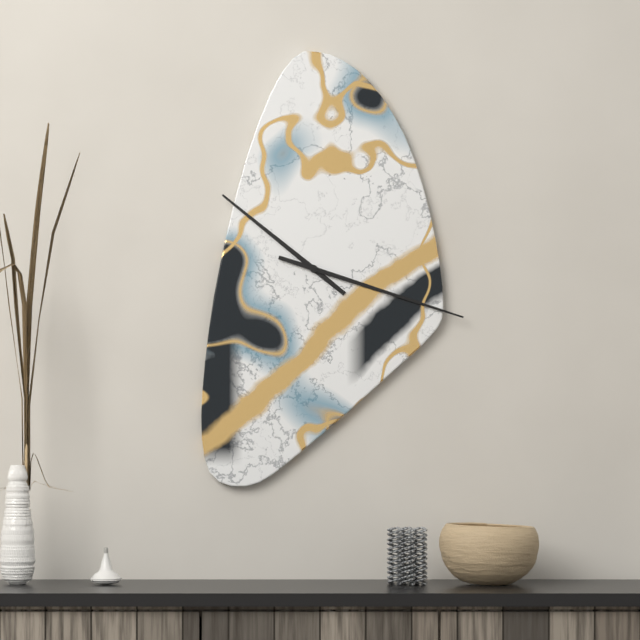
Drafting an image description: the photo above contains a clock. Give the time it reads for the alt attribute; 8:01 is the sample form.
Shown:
10:18
